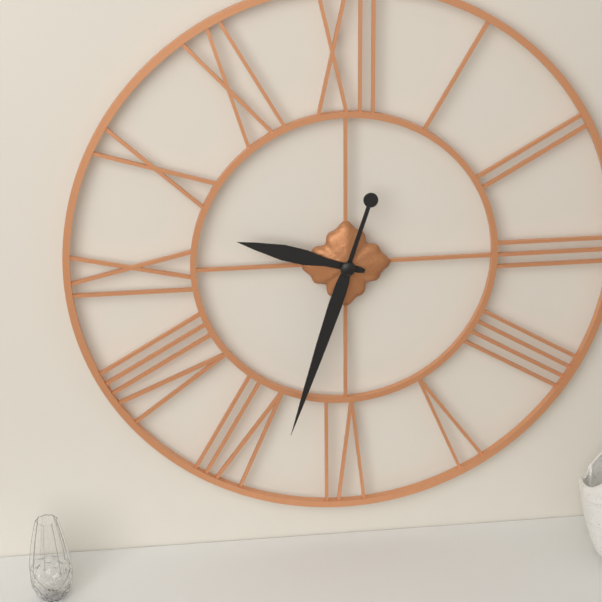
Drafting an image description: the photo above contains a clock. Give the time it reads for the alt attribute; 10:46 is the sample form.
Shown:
9:33
